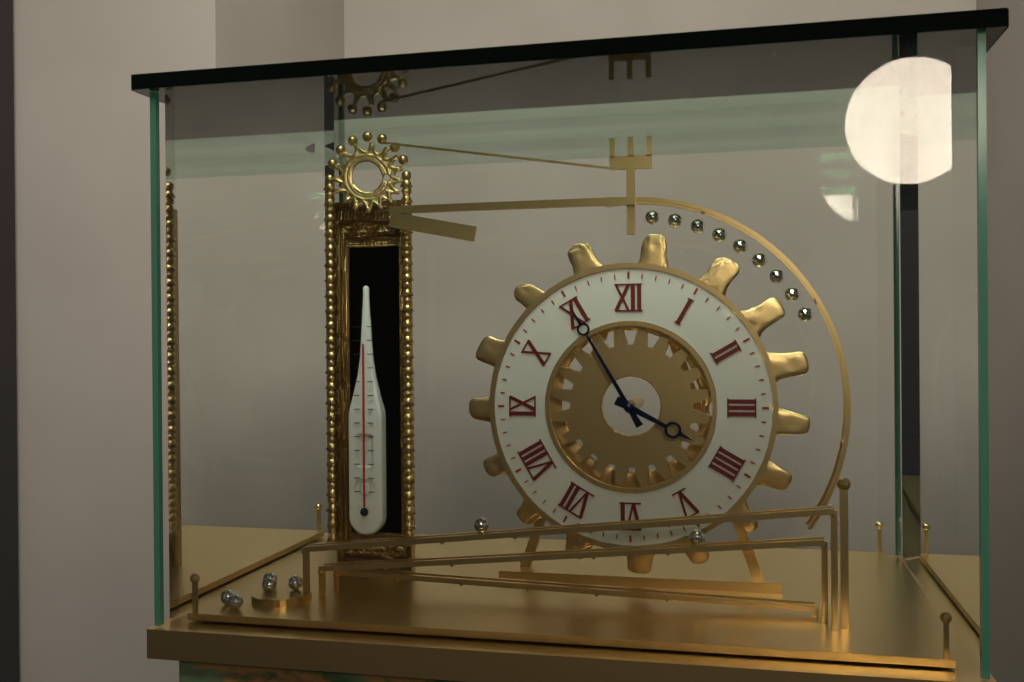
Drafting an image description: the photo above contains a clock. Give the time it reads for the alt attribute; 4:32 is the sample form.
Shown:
3:55
